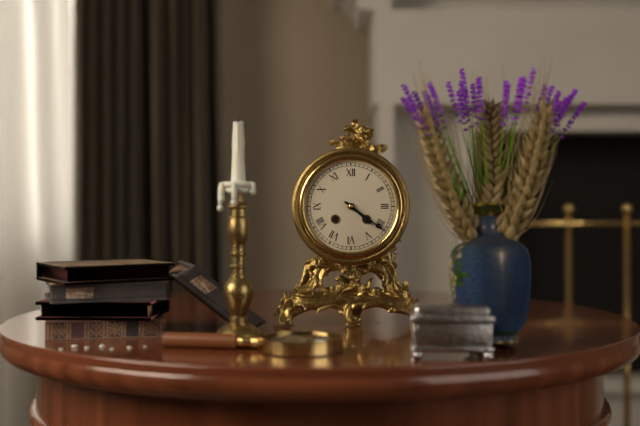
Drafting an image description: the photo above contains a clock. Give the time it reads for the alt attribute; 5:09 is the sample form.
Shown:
4:21
